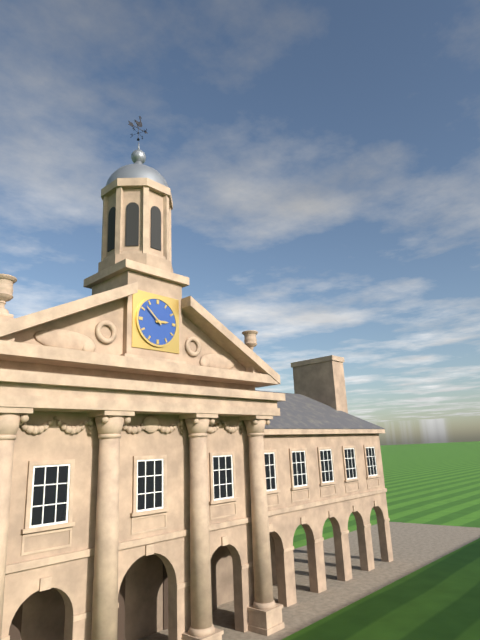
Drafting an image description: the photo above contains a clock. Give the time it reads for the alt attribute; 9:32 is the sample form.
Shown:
2:52
